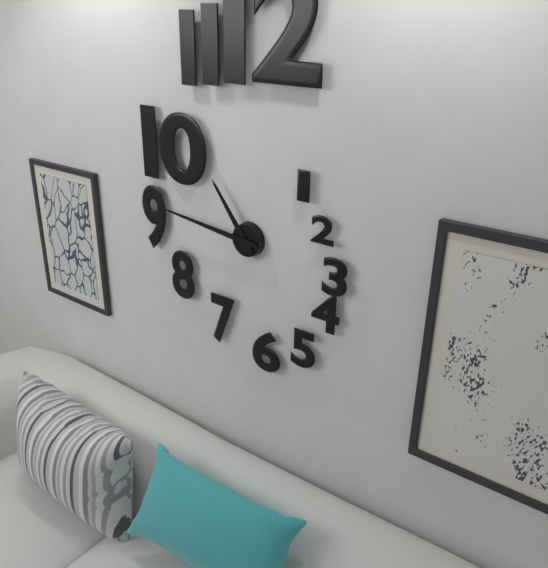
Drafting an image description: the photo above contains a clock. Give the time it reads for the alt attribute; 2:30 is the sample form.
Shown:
10:46
